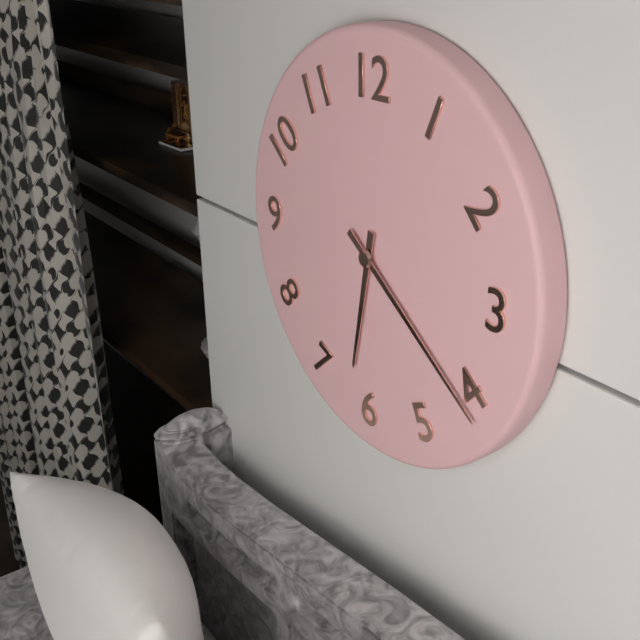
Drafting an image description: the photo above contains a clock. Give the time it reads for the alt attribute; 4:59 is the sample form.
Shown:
6:21
